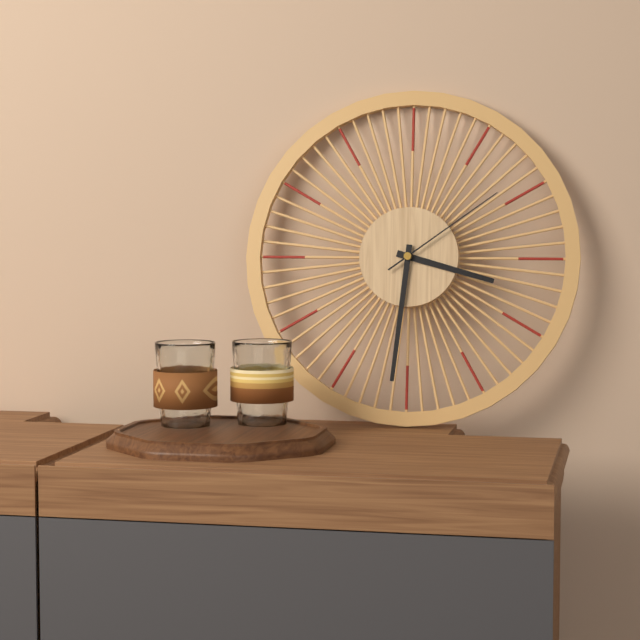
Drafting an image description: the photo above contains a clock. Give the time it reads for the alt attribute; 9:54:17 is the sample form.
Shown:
3:31:09
